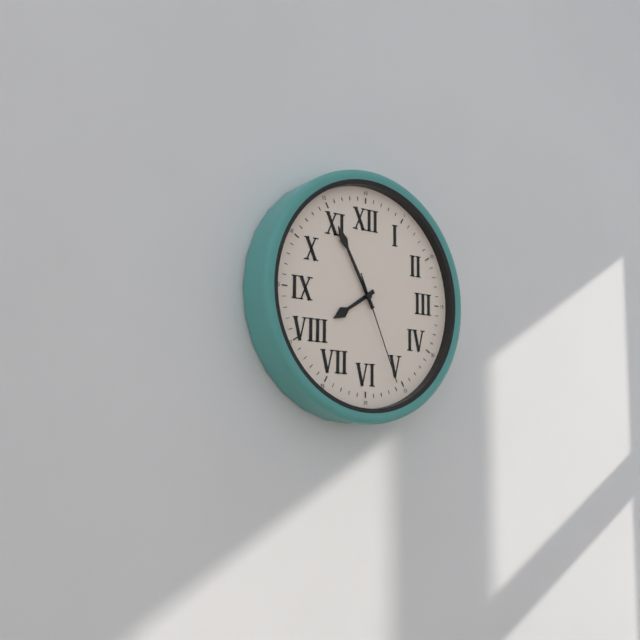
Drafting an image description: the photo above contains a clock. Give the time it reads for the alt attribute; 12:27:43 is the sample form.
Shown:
7:55:26
